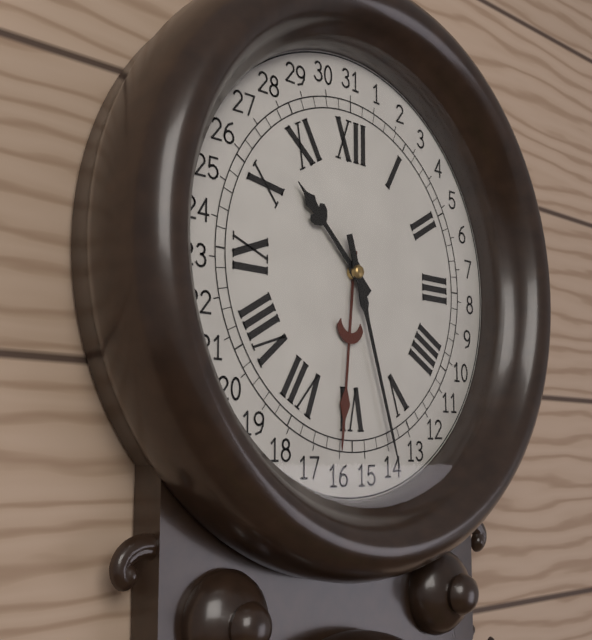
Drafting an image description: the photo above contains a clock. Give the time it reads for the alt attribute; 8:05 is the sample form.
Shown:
10:27
